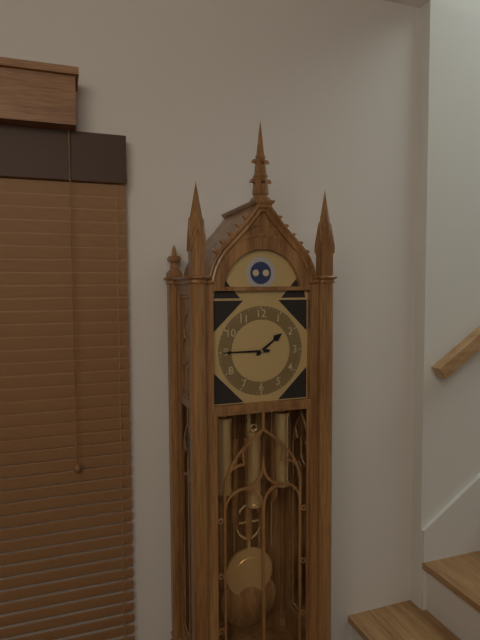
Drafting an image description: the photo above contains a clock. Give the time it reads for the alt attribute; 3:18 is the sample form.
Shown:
1:45
